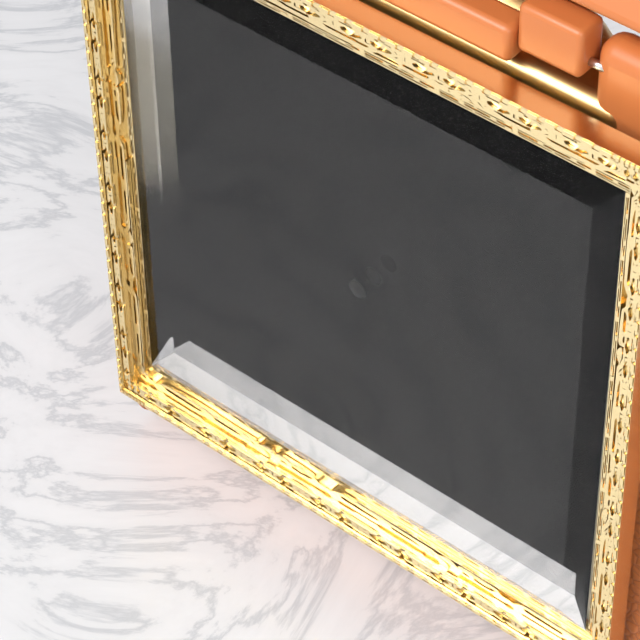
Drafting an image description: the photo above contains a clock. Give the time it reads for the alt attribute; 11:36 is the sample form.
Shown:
4:47
